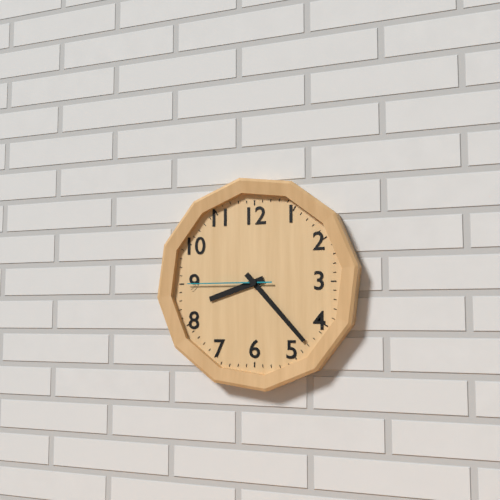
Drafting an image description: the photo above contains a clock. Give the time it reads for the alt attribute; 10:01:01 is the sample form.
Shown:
8:23:45
